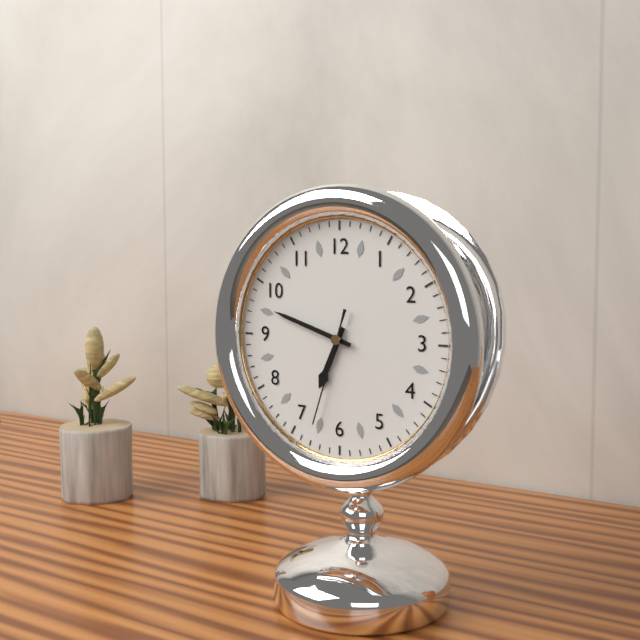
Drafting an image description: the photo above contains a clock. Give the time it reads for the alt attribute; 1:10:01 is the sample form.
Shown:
6:48:33
